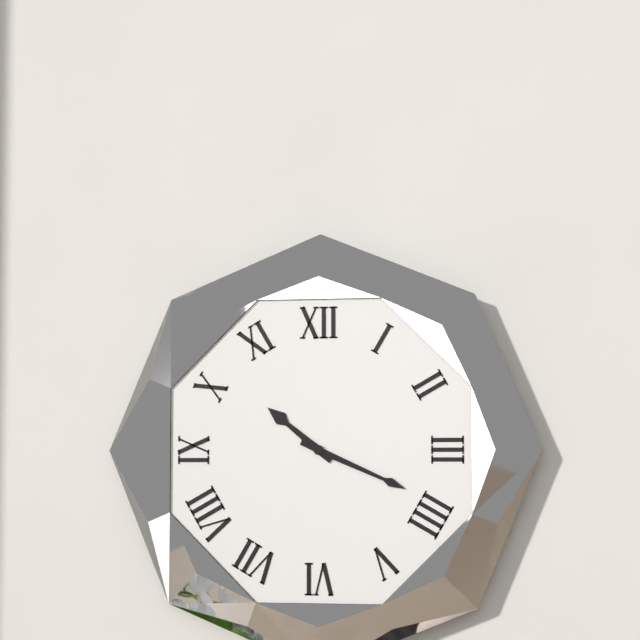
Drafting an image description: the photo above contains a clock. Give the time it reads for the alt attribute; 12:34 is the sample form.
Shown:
10:19
